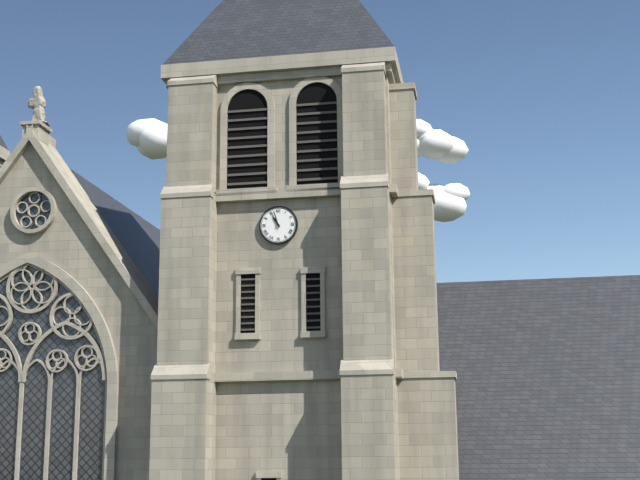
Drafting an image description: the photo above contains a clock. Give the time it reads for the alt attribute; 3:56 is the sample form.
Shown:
10:57
